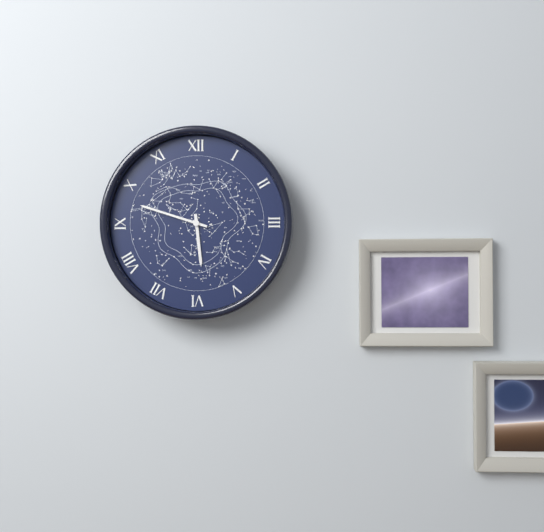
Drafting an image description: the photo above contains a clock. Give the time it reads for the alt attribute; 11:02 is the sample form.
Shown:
5:48
